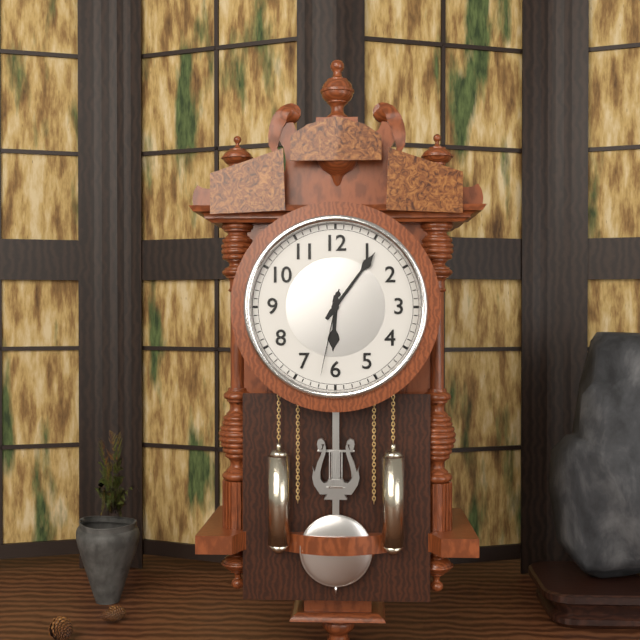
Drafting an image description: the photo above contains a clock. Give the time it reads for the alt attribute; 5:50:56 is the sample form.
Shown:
6:06:32
